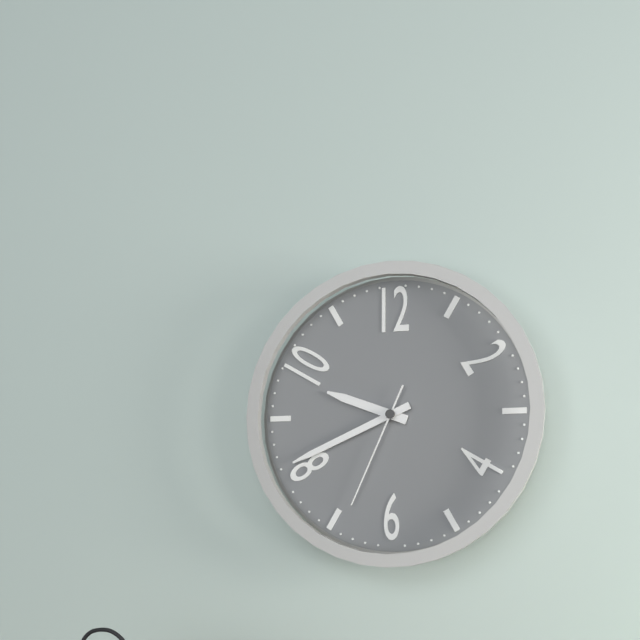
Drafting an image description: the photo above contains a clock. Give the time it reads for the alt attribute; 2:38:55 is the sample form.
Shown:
9:41:34
